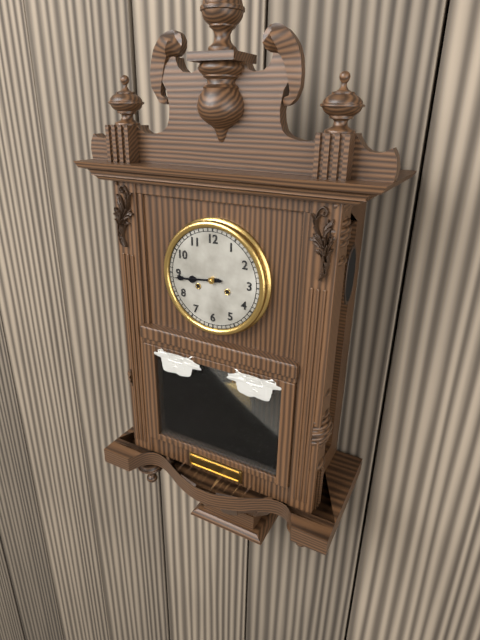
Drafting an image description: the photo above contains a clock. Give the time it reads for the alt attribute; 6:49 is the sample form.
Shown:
8:44
